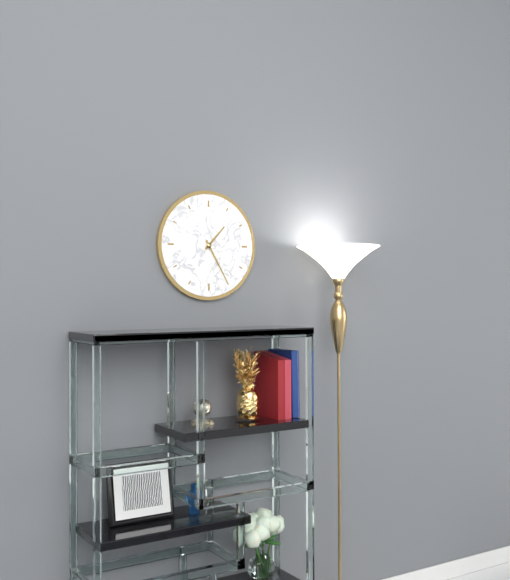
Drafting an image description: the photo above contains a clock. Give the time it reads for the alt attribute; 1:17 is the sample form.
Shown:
1:25
